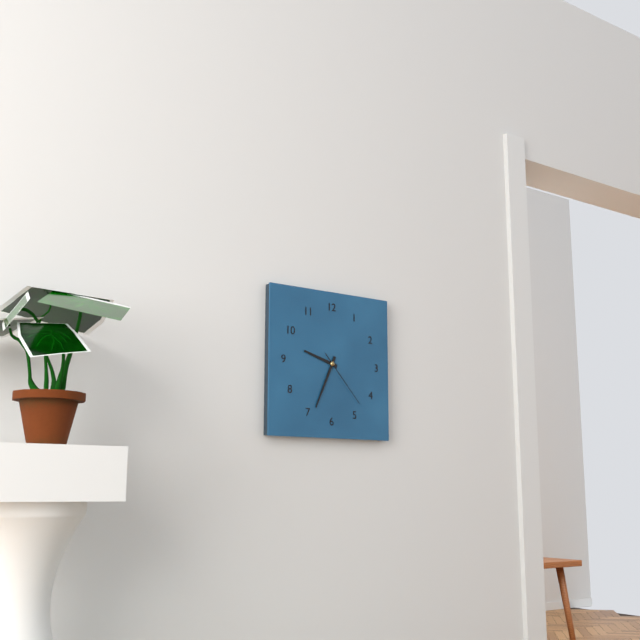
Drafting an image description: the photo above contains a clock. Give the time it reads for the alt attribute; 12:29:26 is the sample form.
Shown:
9:34:23
